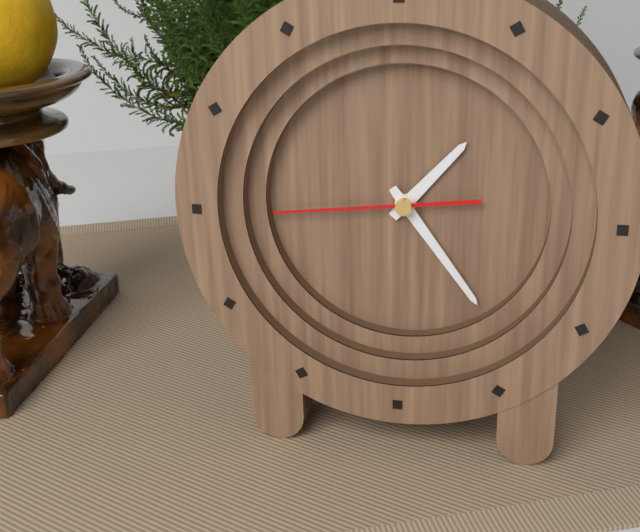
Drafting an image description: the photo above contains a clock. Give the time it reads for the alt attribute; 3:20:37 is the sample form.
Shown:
1:24:44
